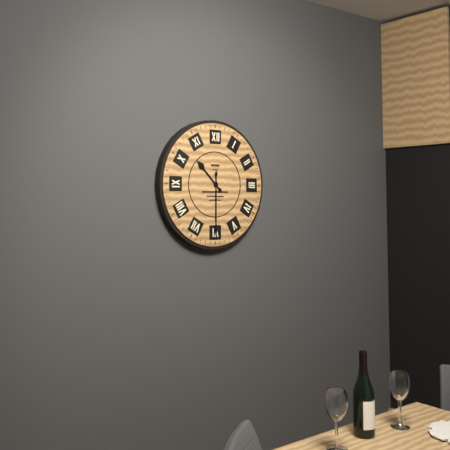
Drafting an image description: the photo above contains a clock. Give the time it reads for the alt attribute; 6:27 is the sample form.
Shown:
10:30
